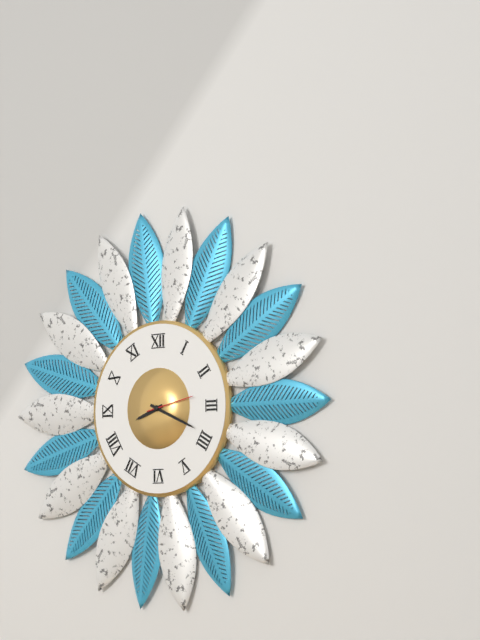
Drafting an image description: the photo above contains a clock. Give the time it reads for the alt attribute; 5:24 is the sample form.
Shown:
8:19
